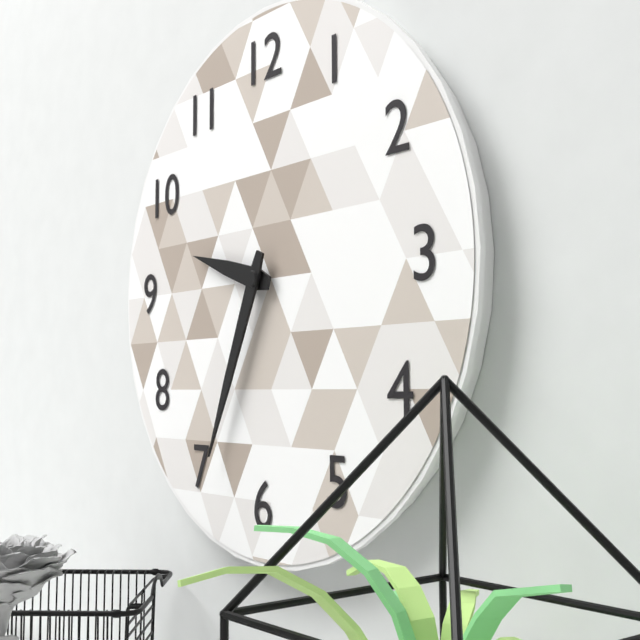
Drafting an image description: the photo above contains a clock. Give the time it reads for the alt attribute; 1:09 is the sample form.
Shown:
9:34
